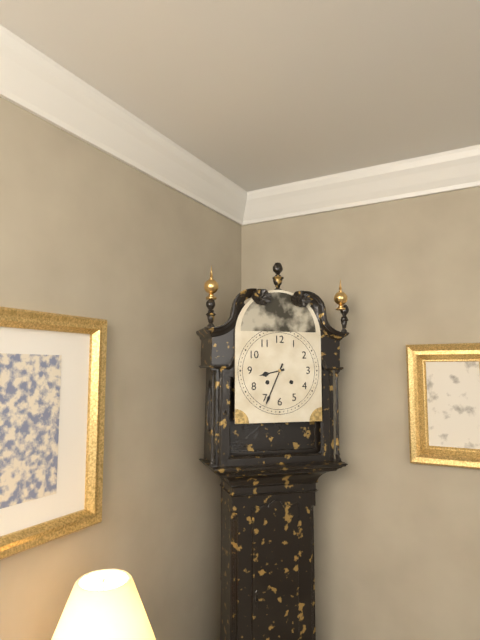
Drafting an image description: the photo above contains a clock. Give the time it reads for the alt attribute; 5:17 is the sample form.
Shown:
8:34
